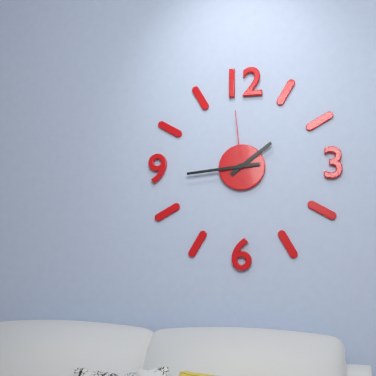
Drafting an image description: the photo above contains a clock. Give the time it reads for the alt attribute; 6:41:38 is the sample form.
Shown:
1:44:59
